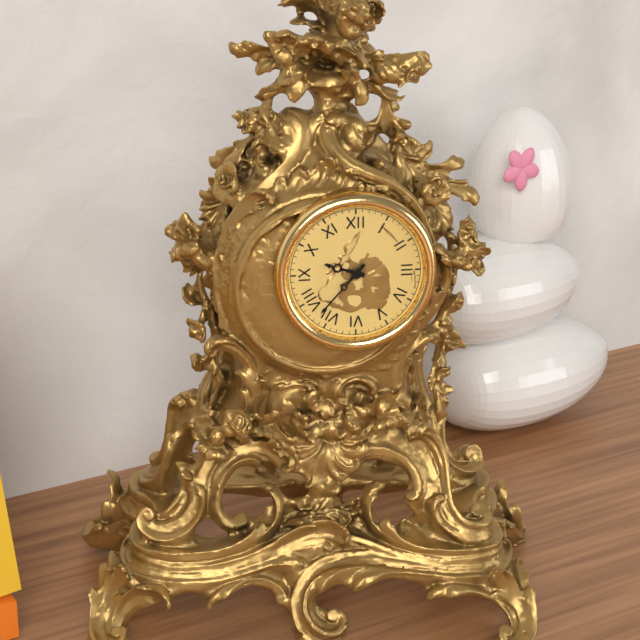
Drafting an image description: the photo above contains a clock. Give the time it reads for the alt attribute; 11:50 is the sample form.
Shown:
9:37
